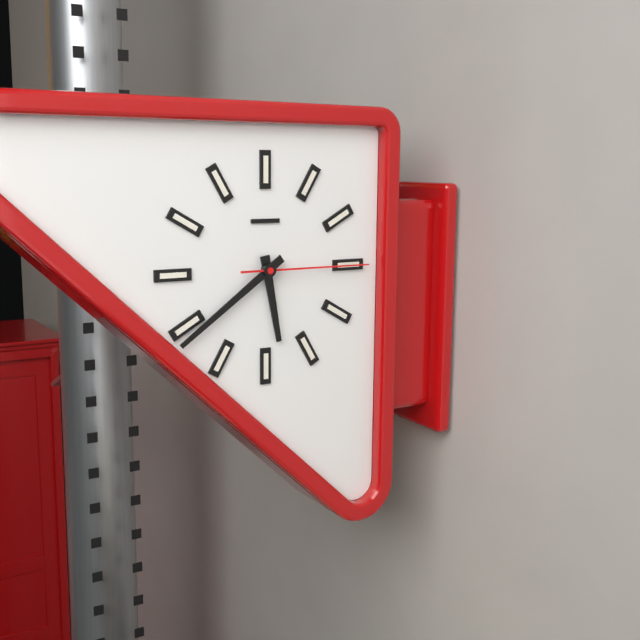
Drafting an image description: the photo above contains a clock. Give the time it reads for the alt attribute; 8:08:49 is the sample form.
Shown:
5:39:15
